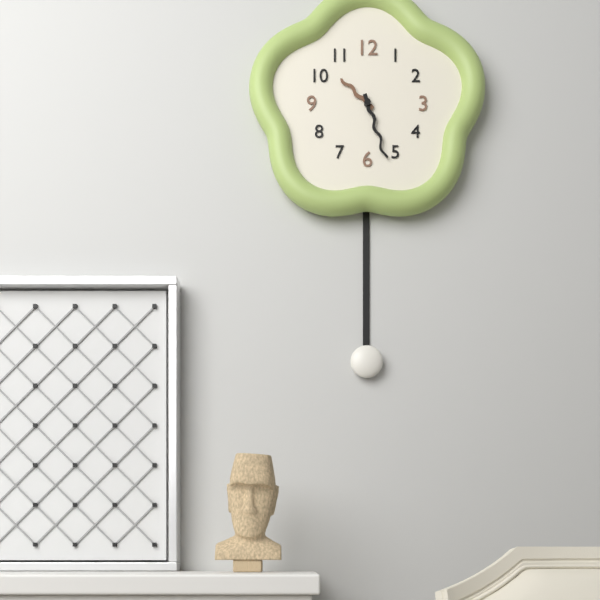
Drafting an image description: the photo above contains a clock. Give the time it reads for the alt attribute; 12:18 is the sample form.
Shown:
10:27
